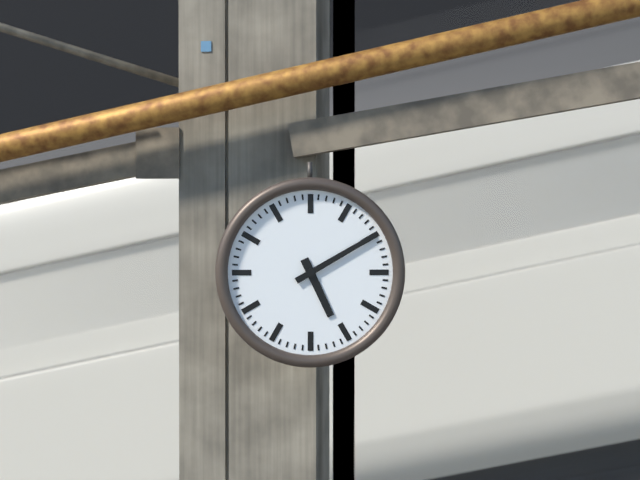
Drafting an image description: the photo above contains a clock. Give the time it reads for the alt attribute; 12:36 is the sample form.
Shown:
5:10
